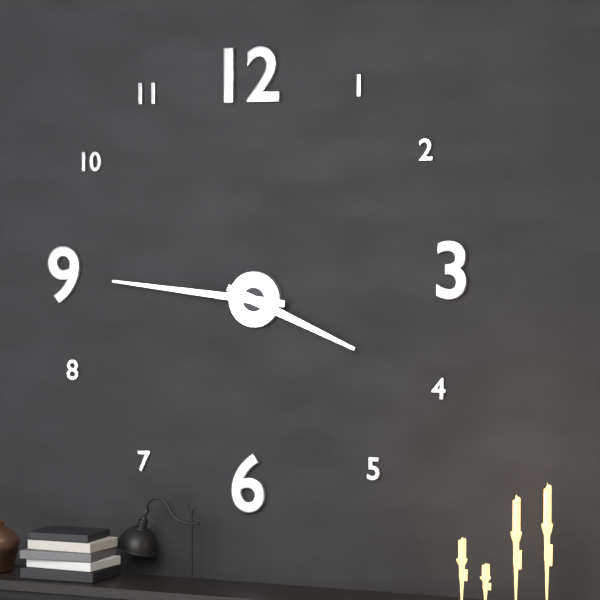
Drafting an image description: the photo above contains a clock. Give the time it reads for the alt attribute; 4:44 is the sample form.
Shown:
3:46
